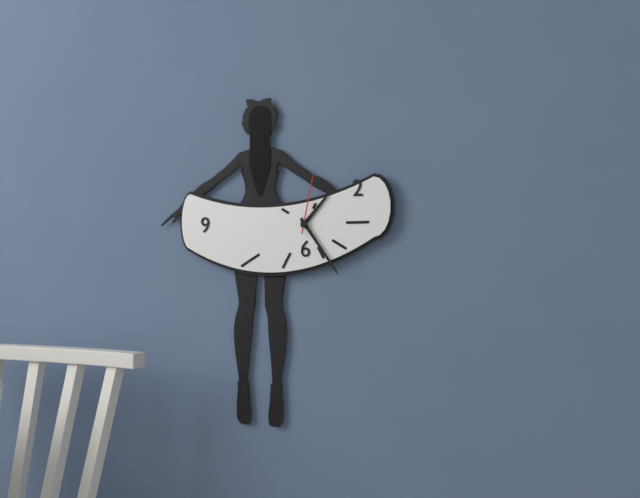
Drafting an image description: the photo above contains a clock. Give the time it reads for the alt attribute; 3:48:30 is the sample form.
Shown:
1:24:02
